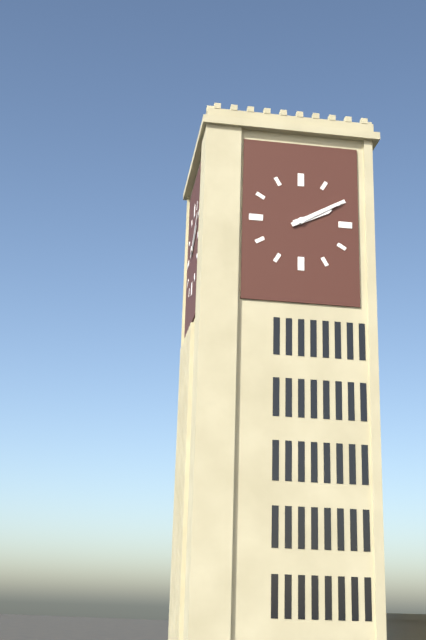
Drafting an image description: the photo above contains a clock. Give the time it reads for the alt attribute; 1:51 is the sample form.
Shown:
2:10
